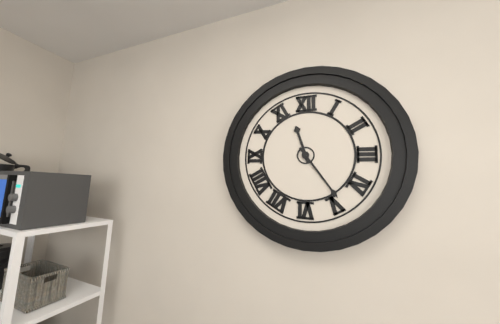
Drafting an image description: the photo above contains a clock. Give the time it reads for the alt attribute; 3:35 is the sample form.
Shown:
11:24
